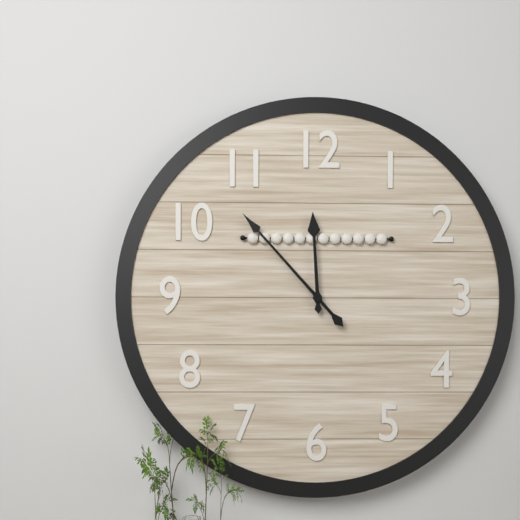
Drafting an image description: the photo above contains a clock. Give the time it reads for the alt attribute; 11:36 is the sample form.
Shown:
11:53
